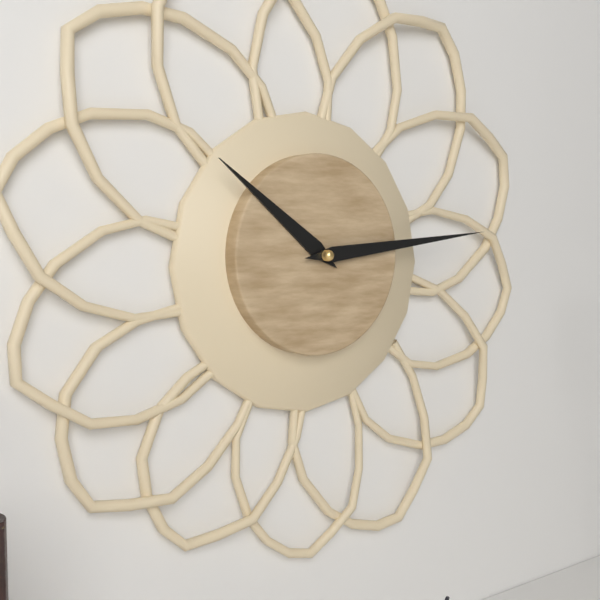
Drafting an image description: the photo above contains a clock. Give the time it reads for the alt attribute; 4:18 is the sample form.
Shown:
10:14
